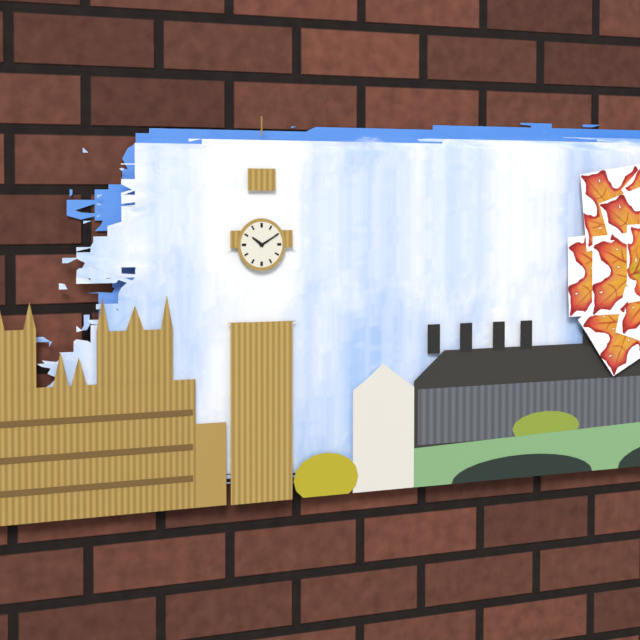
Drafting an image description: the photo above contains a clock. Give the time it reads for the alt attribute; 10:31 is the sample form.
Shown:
10:10
